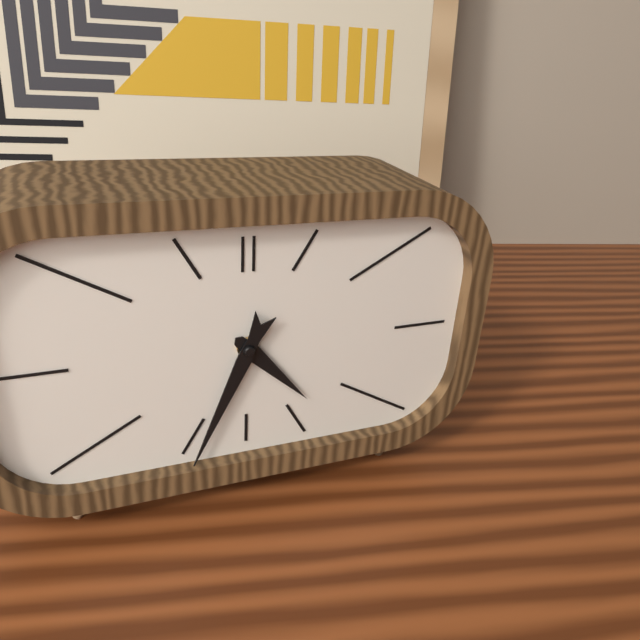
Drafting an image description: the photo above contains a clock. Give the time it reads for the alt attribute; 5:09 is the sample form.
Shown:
4:34
